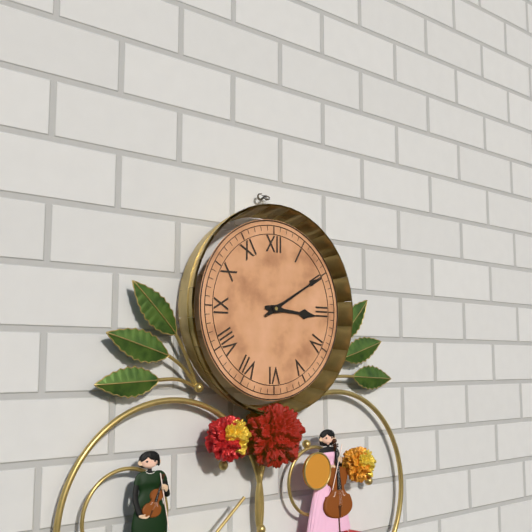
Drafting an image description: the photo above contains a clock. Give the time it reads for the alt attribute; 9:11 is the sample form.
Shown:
3:10
